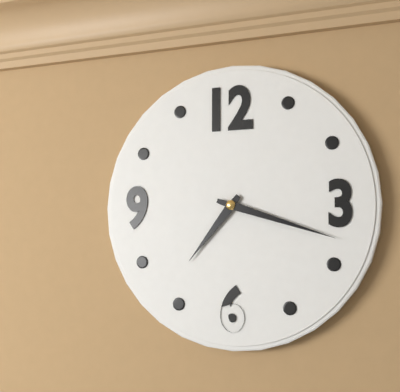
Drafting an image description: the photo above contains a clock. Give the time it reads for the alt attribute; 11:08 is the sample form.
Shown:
7:18
